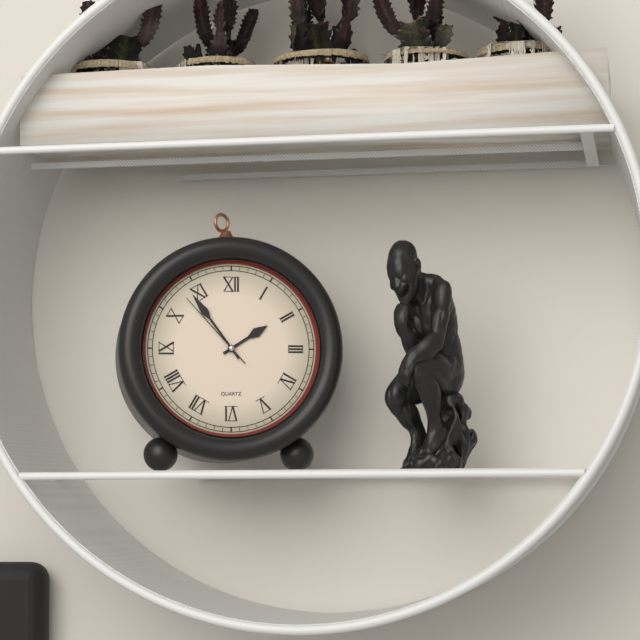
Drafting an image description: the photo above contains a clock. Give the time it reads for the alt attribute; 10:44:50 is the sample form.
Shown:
1:54:53
